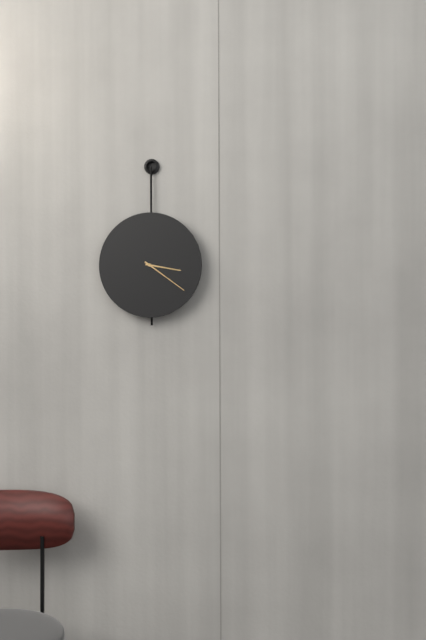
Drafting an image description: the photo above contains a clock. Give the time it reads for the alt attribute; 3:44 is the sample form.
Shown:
3:21
